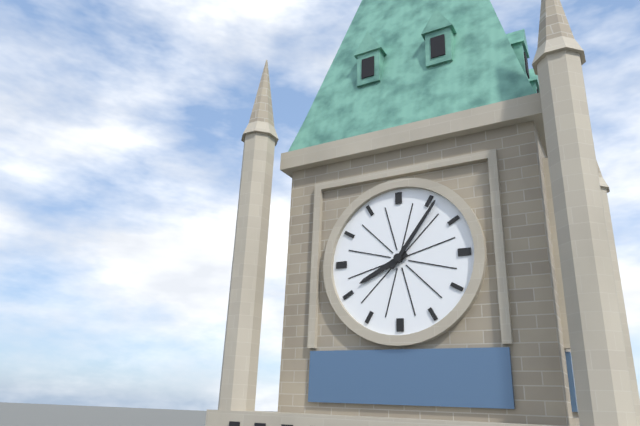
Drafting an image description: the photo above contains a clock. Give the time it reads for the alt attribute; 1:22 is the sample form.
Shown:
8:06
